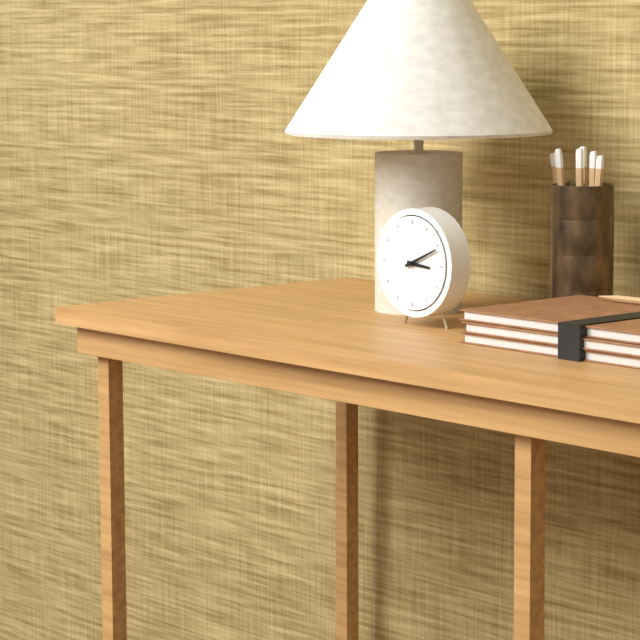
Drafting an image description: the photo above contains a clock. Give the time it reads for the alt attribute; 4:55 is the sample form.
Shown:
3:11
